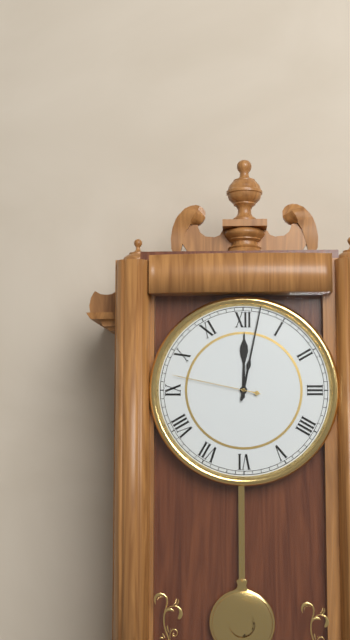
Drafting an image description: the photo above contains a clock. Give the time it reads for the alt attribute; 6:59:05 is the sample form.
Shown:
12:02:47
